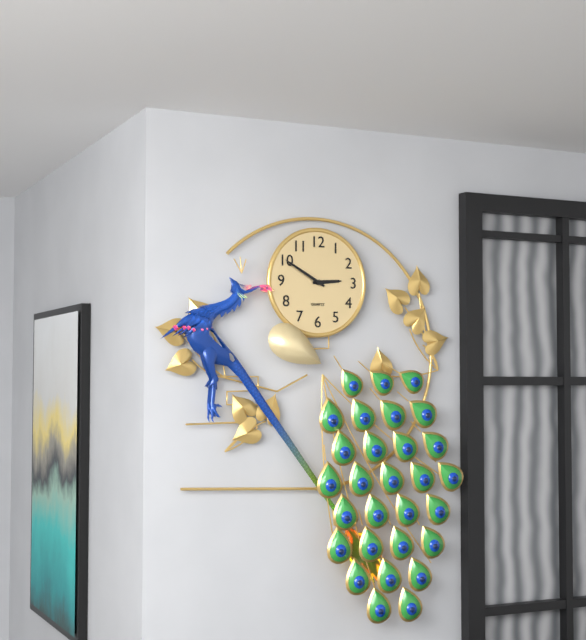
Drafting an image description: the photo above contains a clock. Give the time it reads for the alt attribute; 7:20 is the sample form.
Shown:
2:50
